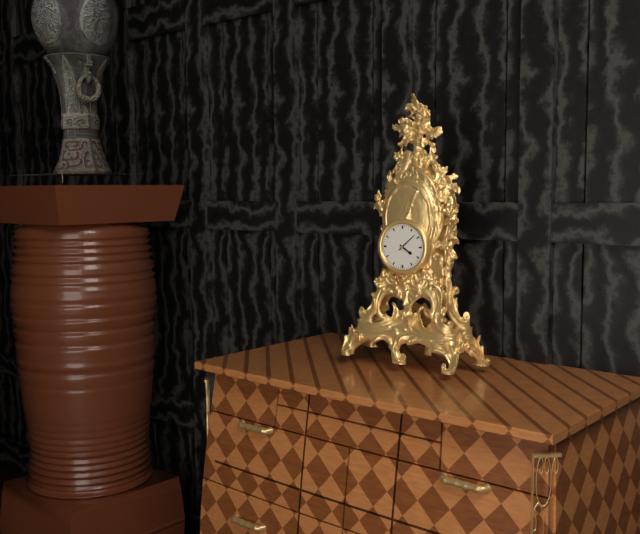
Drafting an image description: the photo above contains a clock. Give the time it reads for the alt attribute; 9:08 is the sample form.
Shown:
4:08
